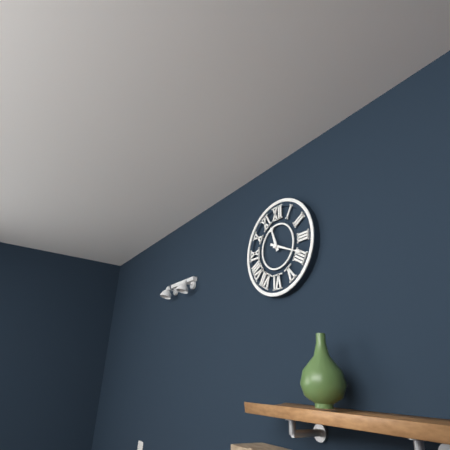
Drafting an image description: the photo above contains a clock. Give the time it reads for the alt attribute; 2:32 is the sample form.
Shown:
11:19
